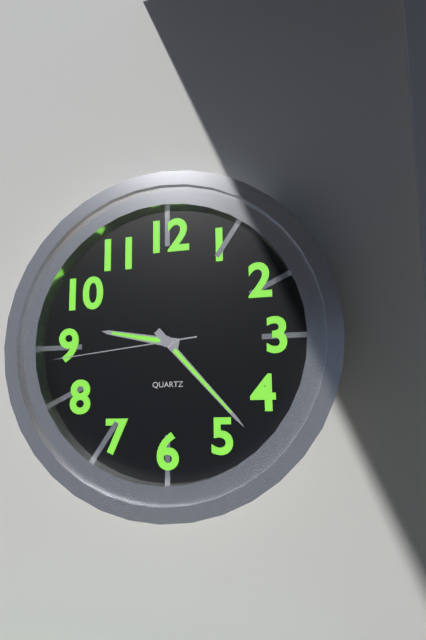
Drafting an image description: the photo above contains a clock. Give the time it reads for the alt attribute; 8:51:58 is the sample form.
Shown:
9:23:44
